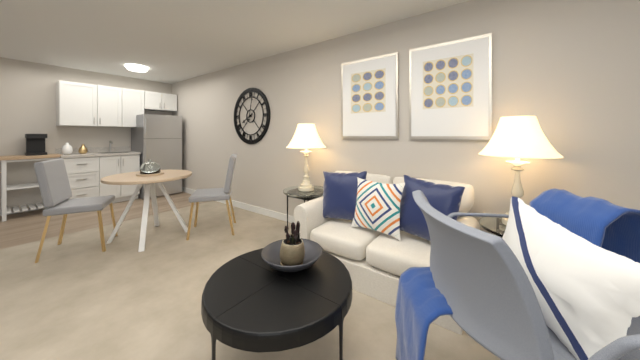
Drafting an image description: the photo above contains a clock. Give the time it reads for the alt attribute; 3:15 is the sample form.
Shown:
8:02
